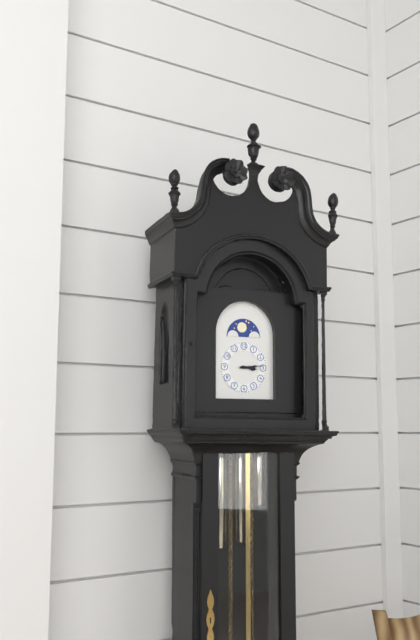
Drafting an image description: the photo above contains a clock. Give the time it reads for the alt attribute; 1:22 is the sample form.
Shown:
3:14
